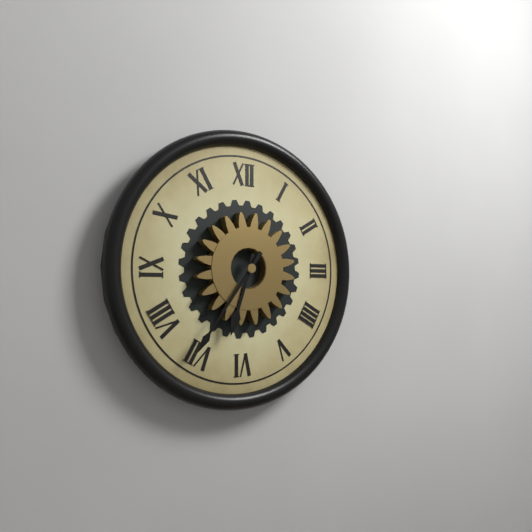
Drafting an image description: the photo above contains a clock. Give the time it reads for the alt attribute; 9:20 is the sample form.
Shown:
6:36
